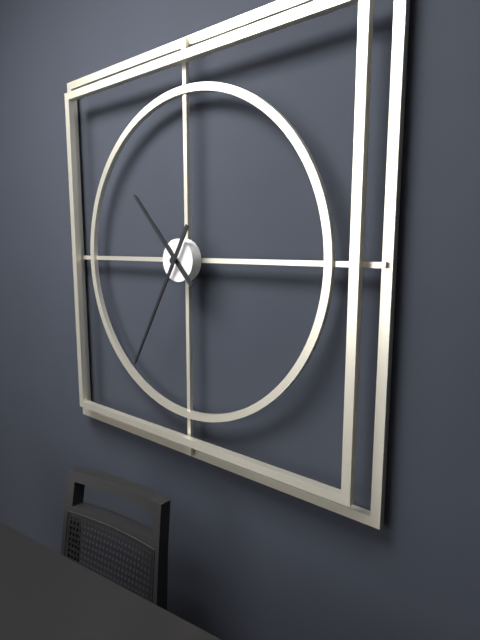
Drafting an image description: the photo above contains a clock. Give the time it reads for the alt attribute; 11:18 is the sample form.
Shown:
10:35
